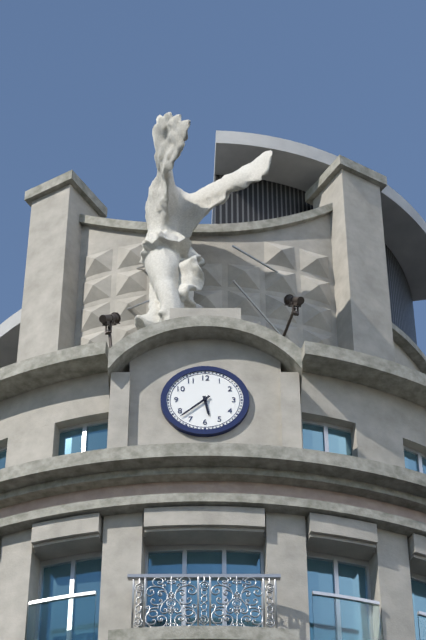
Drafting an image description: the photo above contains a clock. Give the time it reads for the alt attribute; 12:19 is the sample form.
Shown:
5:38
